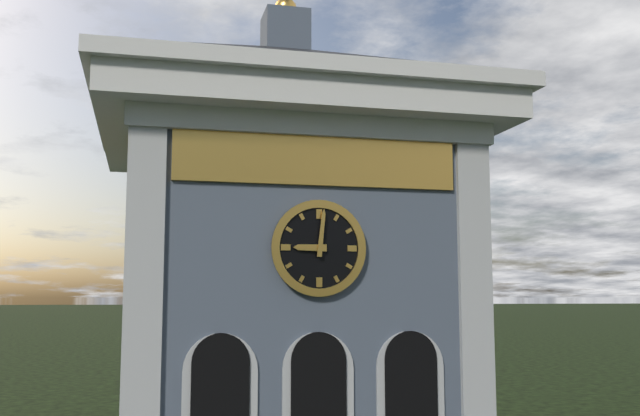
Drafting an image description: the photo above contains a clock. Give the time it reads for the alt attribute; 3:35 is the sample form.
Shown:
9:01
